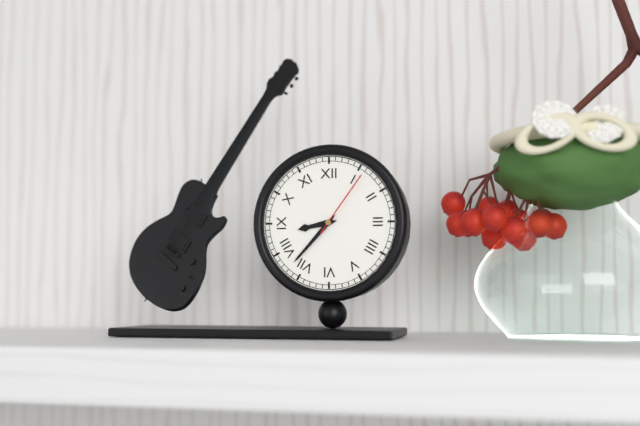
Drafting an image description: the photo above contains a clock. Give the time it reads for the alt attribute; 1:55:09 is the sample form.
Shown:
8:37:06
